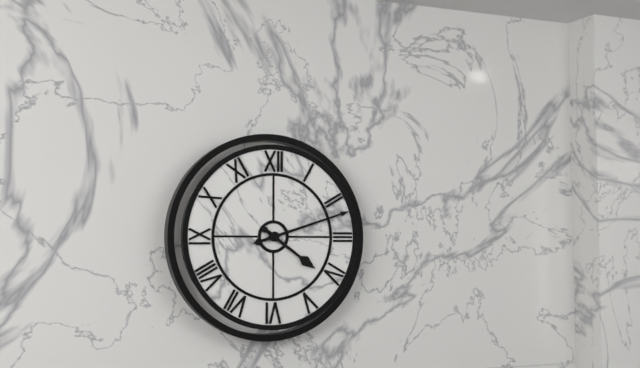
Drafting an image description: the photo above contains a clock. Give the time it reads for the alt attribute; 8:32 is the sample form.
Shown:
4:12
